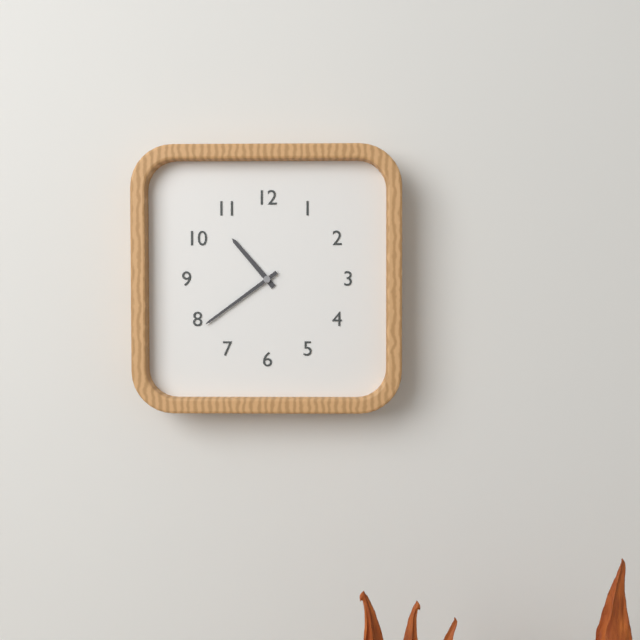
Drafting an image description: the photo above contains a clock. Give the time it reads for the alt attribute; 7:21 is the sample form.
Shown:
10:39
